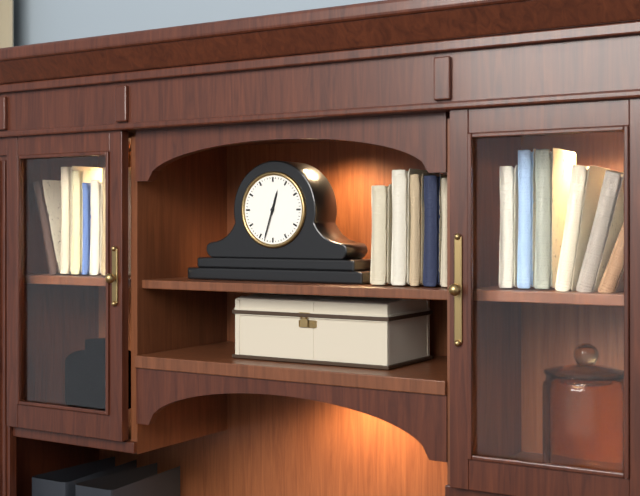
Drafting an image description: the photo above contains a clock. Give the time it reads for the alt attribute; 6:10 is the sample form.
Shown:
12:33
